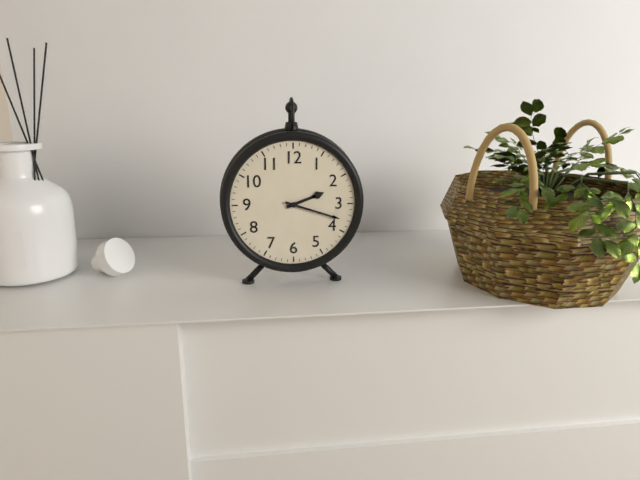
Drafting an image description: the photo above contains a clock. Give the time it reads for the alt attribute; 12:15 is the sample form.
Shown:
2:18
